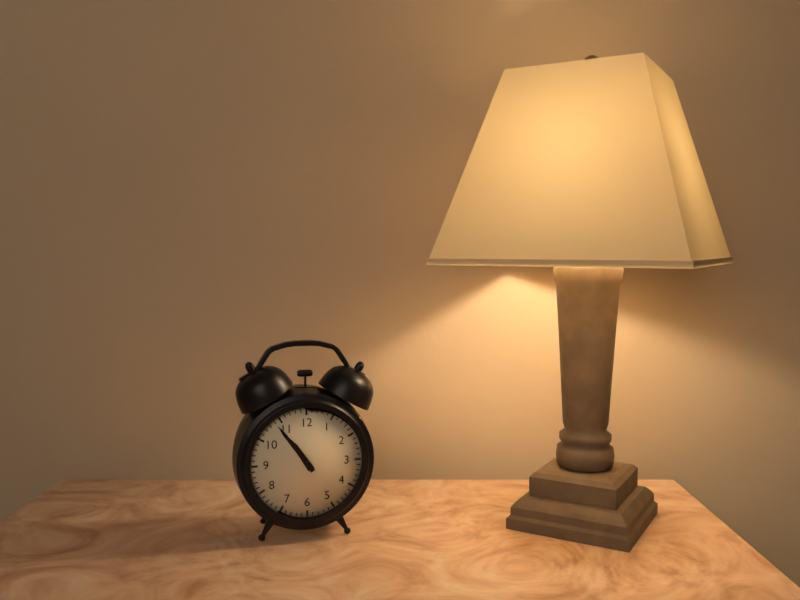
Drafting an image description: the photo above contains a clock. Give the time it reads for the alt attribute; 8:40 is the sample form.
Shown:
10:54
